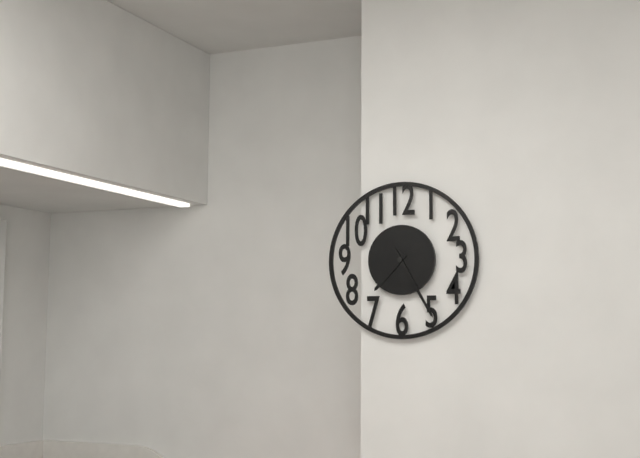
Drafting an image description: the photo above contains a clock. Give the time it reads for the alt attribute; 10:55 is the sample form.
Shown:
7:25
